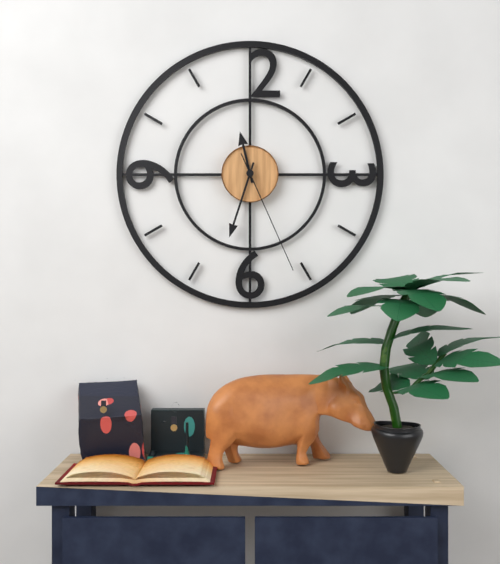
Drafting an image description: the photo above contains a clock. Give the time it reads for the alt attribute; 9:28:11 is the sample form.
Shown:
11:33:26
